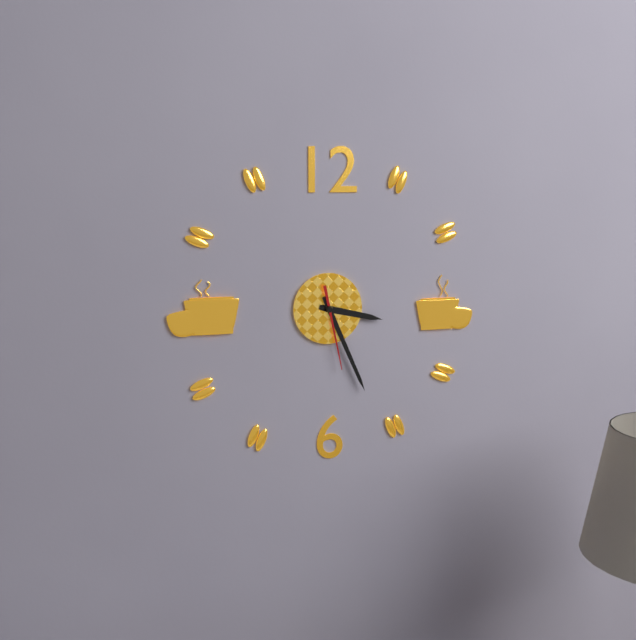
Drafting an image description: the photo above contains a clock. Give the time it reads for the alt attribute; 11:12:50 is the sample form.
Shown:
3:26:28
